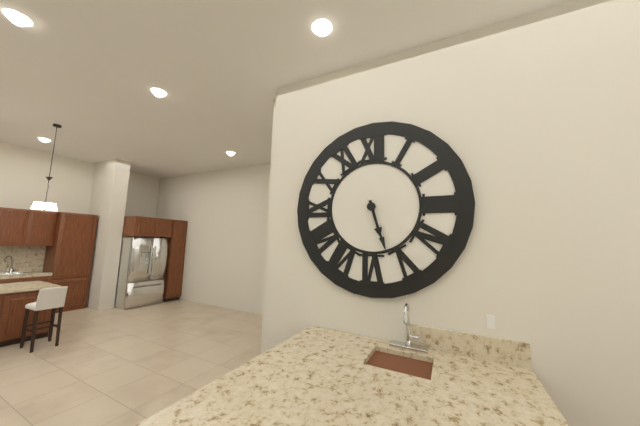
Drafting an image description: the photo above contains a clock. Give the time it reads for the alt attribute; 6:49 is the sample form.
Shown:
5:27
